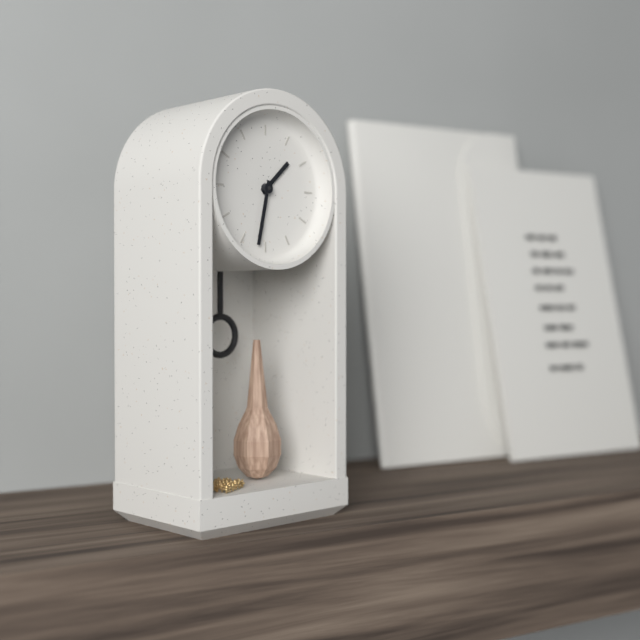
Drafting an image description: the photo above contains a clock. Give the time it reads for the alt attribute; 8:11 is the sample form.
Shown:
1:32
